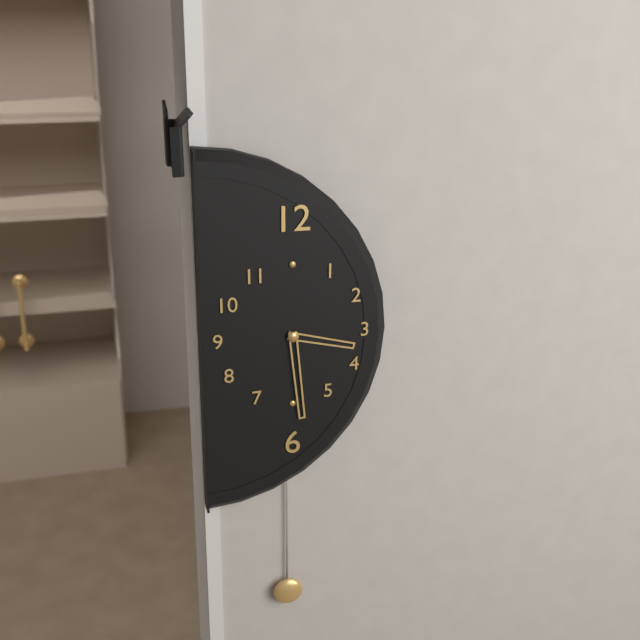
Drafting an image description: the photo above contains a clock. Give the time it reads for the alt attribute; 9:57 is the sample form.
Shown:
3:29
